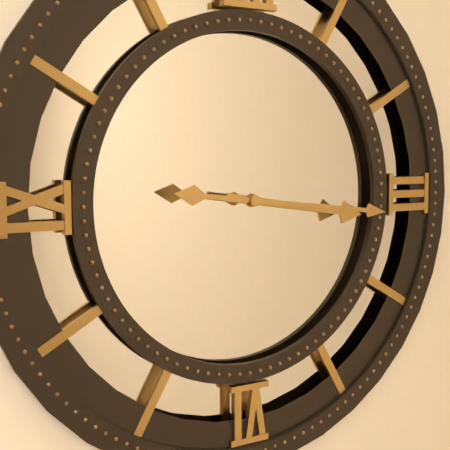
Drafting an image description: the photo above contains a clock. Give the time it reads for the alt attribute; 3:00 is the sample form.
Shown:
3:16
